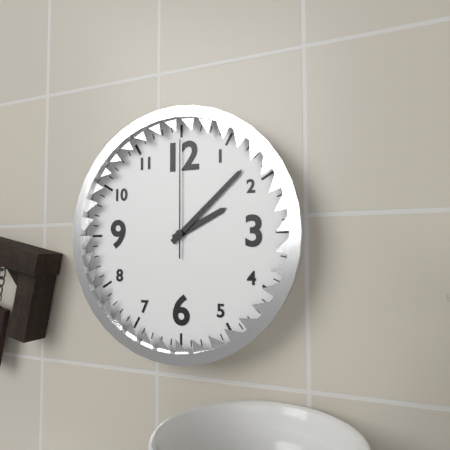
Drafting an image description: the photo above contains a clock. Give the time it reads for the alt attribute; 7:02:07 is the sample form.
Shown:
2:08:00
